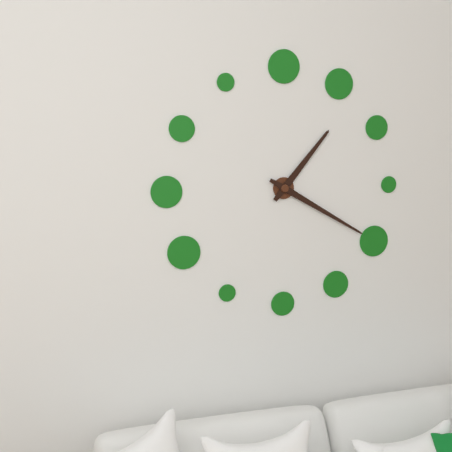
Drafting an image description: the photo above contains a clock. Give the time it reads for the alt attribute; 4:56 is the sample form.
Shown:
1:20
